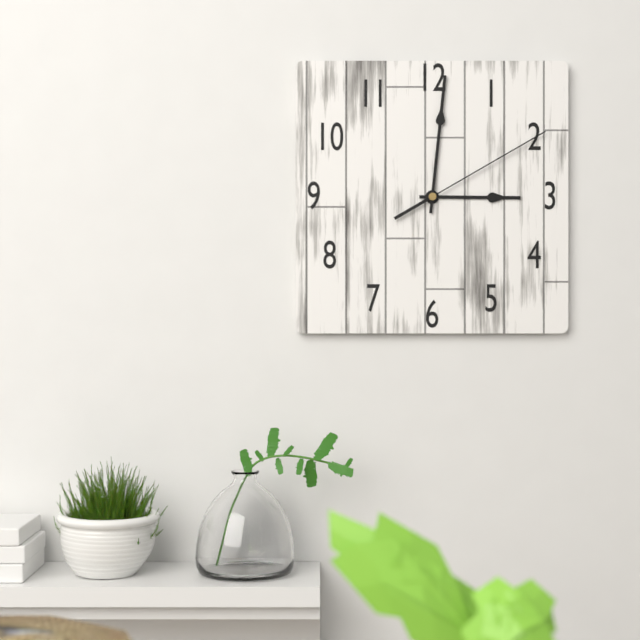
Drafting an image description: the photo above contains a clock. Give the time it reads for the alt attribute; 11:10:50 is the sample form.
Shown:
3:01:10
